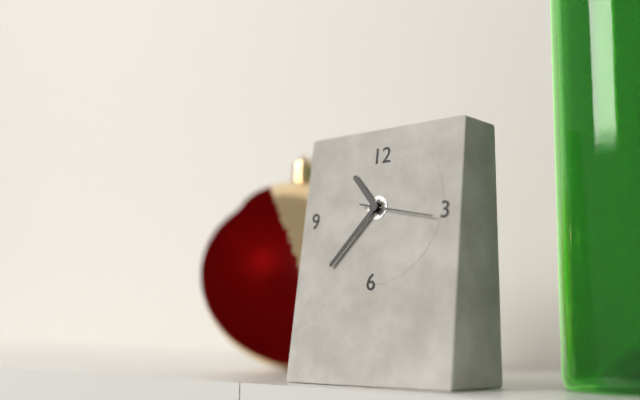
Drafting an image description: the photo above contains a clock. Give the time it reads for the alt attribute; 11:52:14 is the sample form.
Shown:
10:37:17
